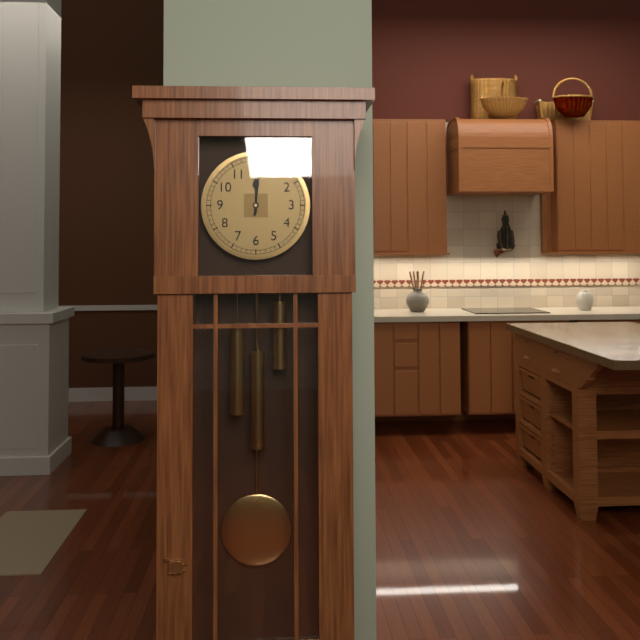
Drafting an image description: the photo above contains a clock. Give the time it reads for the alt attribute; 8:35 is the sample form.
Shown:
12:01
